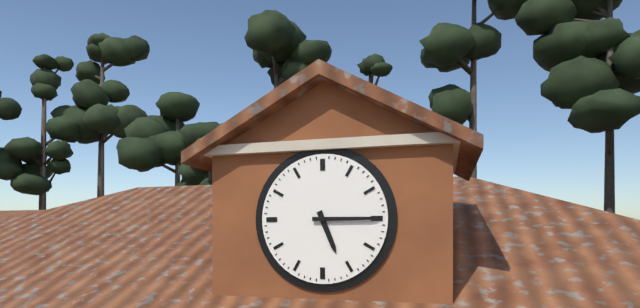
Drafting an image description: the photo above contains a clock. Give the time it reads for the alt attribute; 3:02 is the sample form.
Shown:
5:15
